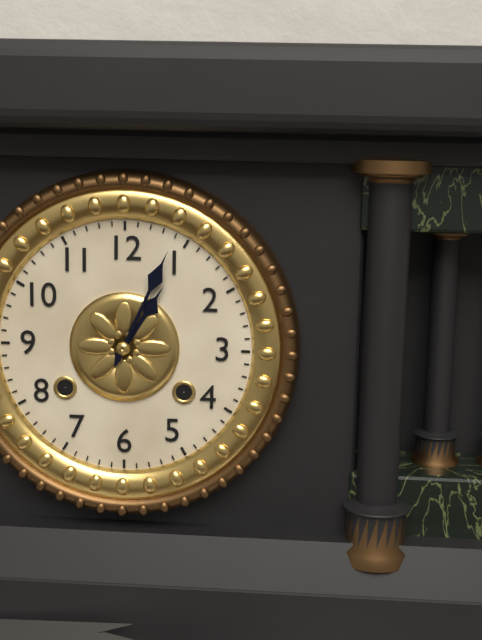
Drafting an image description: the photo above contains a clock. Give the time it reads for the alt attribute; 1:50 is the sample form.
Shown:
1:04
